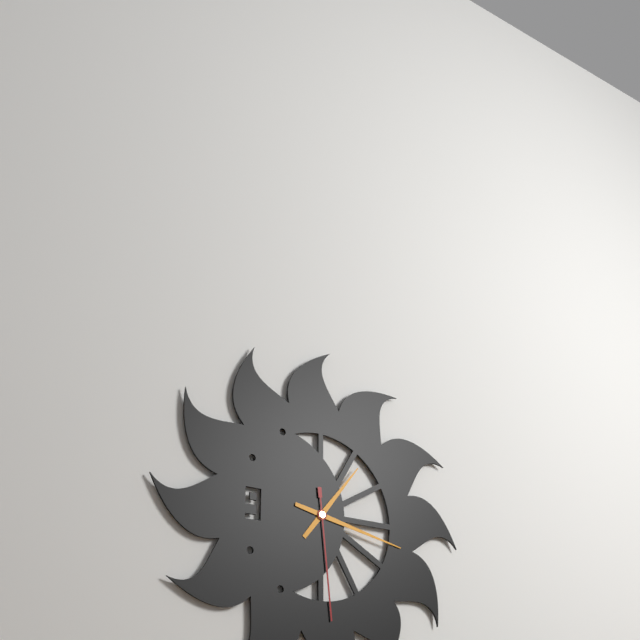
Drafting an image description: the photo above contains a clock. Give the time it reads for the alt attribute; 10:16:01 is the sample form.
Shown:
1:17:29
